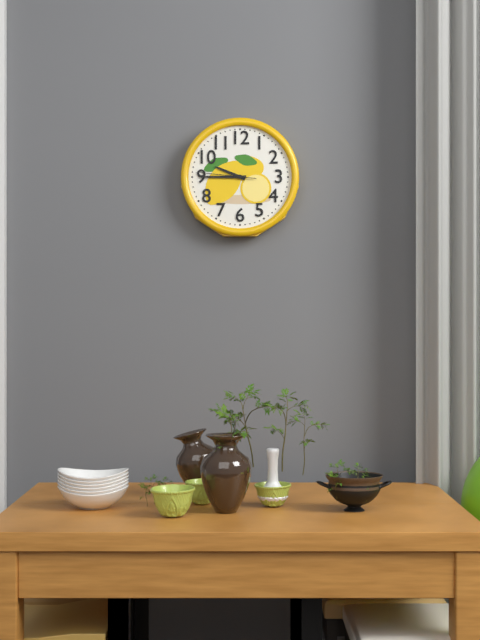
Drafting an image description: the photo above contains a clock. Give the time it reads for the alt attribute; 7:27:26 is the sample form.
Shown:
9:45:46
